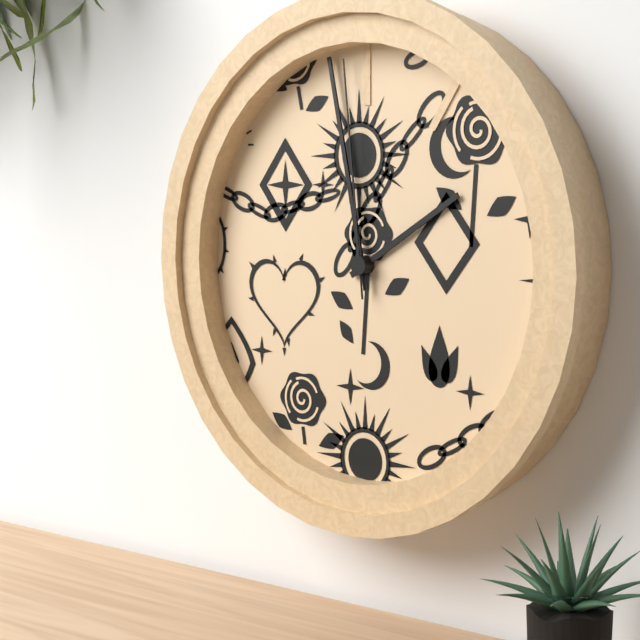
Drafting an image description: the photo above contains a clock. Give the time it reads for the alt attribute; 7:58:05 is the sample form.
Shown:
1:58:59
